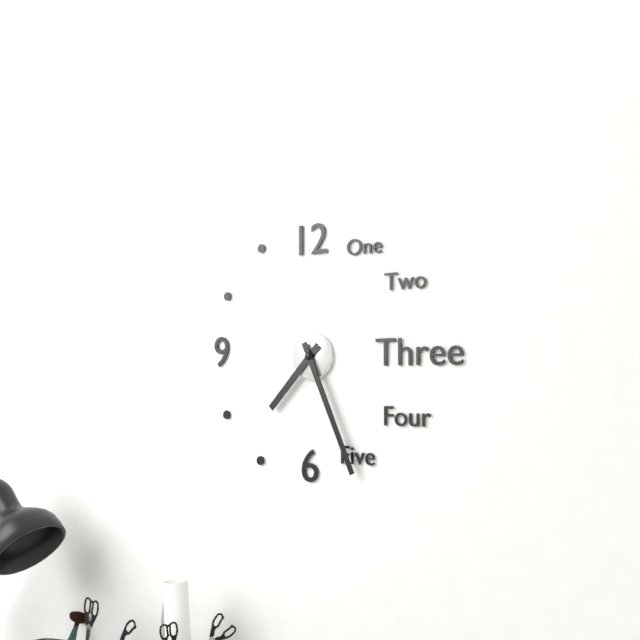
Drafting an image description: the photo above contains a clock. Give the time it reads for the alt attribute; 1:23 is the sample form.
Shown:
7:26
